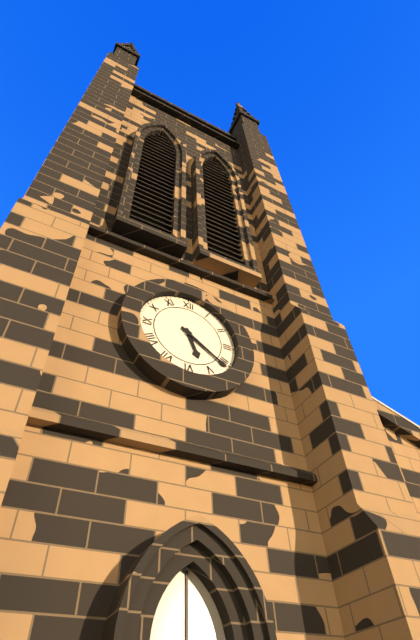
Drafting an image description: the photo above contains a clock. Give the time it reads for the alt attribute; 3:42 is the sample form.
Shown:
5:21
